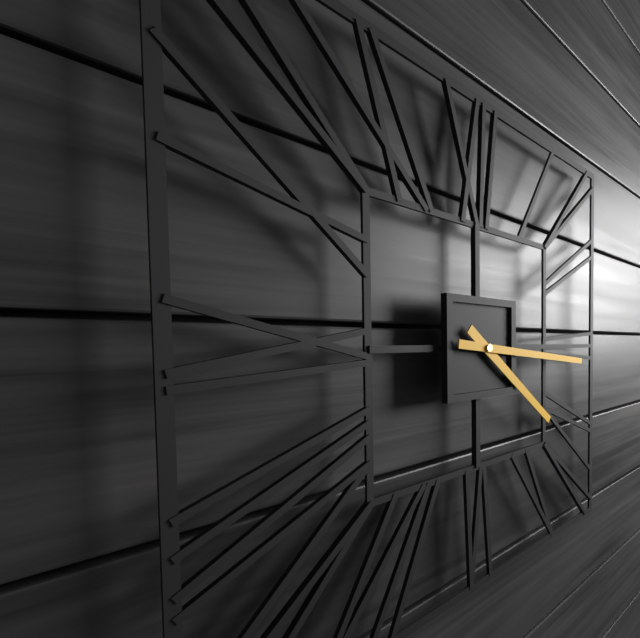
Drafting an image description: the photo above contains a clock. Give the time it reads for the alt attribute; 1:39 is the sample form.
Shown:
4:16
